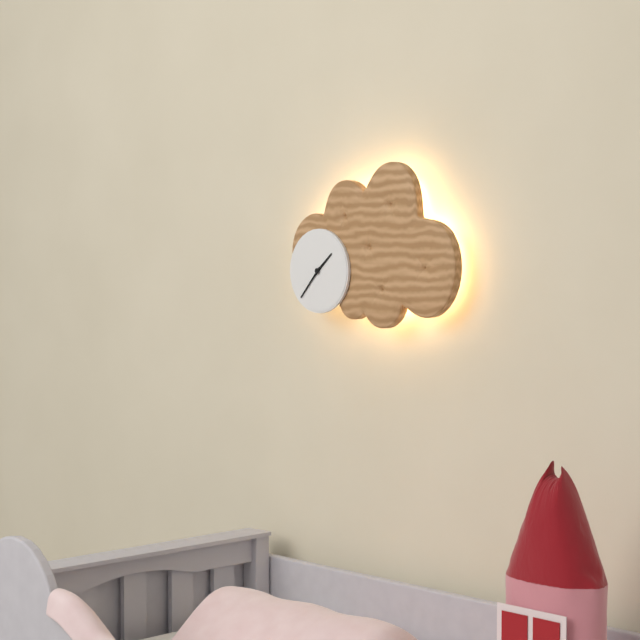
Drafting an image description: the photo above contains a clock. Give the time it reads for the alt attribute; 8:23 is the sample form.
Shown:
1:37
